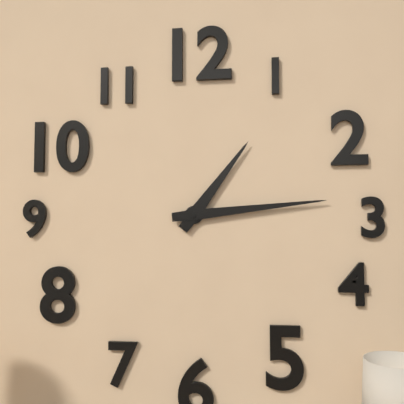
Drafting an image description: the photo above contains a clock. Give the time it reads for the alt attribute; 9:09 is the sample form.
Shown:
1:14
